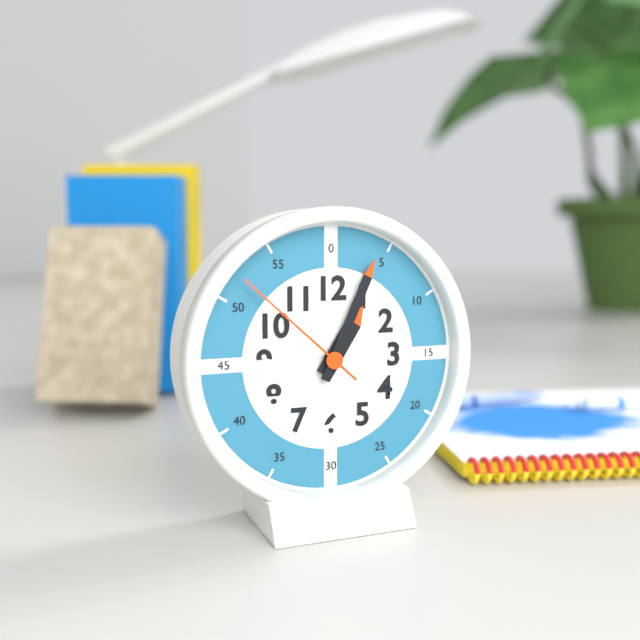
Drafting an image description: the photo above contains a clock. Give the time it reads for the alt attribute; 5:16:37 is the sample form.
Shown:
1:04:52
